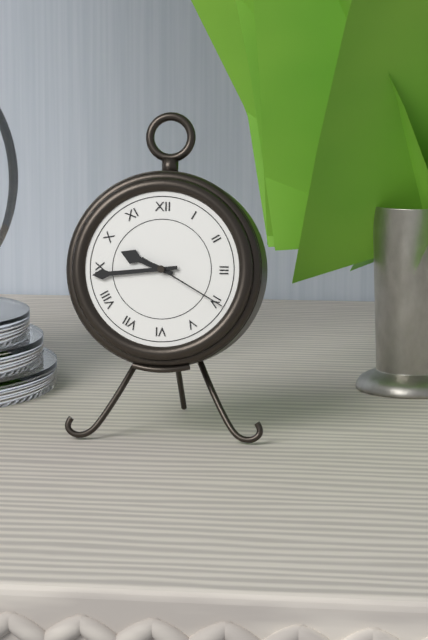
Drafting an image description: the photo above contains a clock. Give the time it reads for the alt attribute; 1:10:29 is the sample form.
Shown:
9:44:20
